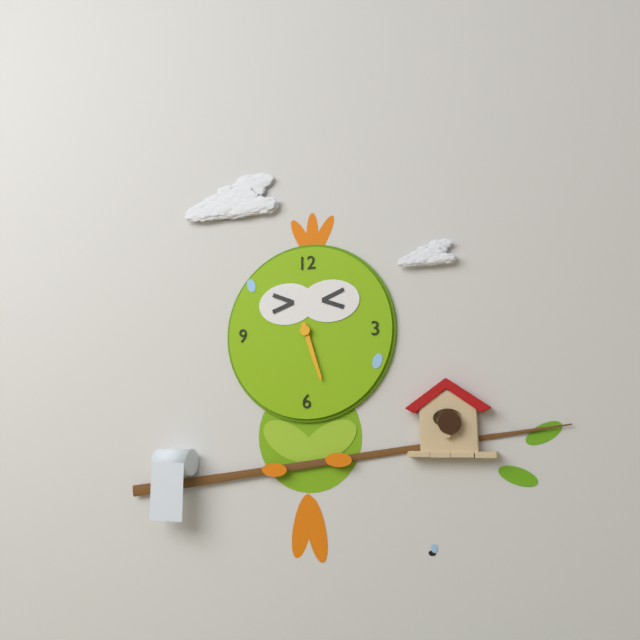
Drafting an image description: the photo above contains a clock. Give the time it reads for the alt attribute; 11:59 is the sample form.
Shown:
5:27
